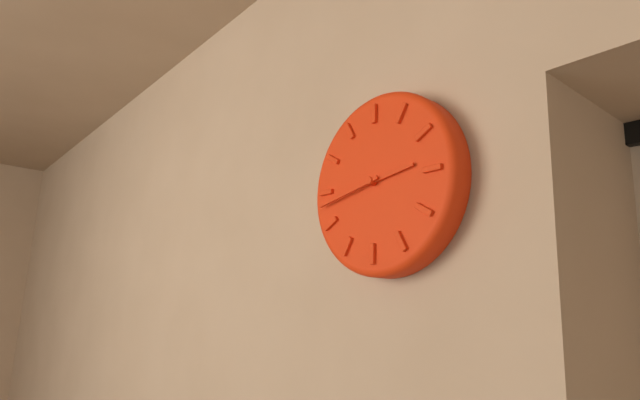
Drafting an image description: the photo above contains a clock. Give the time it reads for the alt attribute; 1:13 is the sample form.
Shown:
2:43
